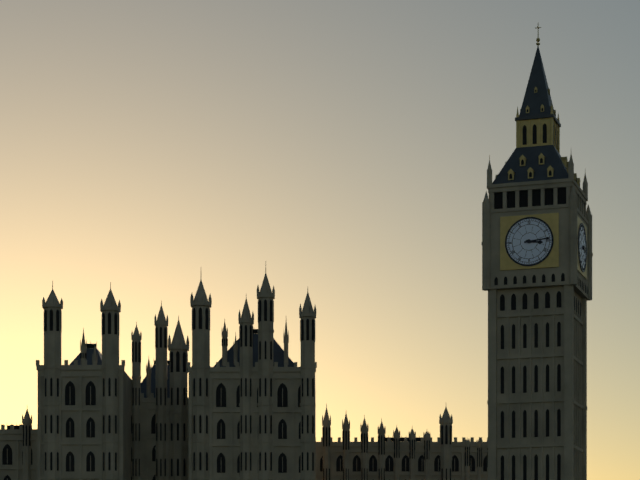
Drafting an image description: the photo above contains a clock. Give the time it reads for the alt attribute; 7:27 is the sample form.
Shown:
3:14
